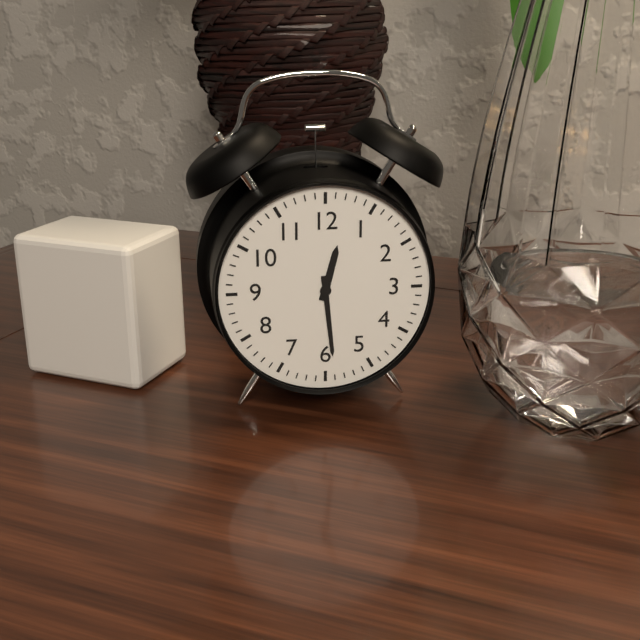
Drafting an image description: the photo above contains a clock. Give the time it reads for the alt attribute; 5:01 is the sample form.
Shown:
12:29
